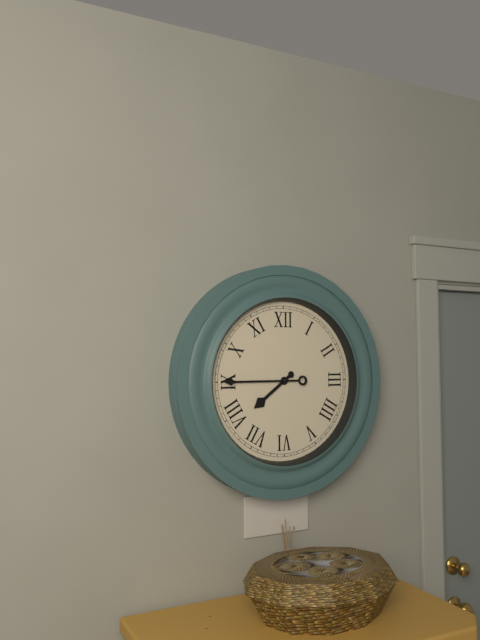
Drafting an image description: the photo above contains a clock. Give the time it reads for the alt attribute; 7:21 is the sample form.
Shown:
7:45
